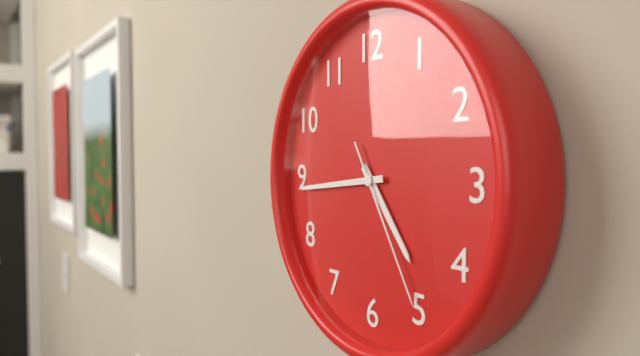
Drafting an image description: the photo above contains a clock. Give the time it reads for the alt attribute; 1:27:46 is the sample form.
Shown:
4:44:25
